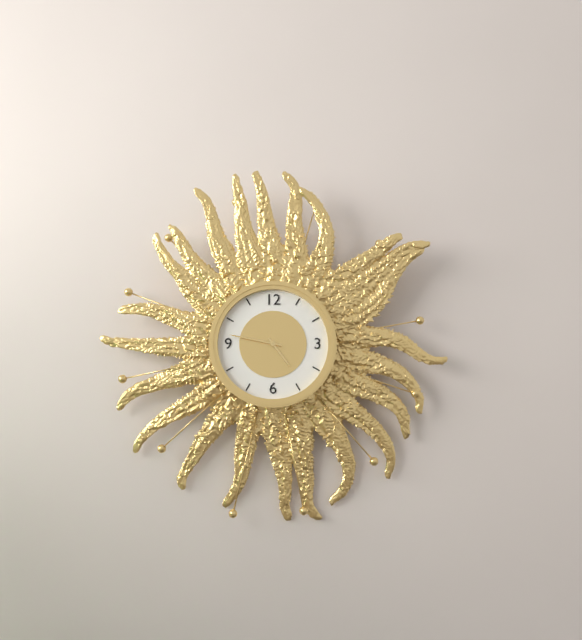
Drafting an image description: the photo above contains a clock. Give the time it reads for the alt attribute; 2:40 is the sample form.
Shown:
4:47
